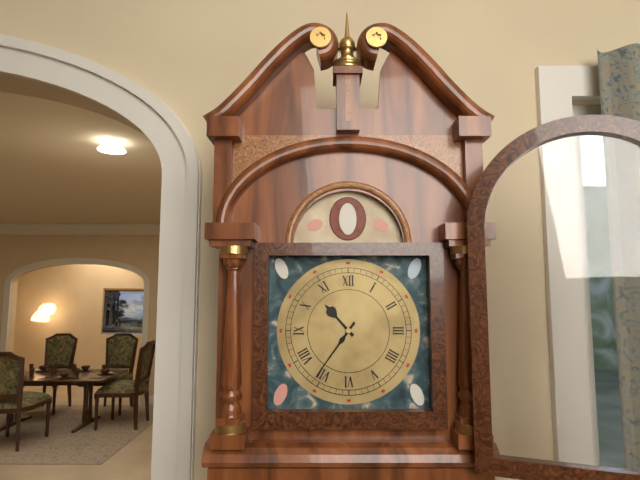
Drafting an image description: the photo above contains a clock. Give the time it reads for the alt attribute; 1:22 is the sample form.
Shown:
10:36
